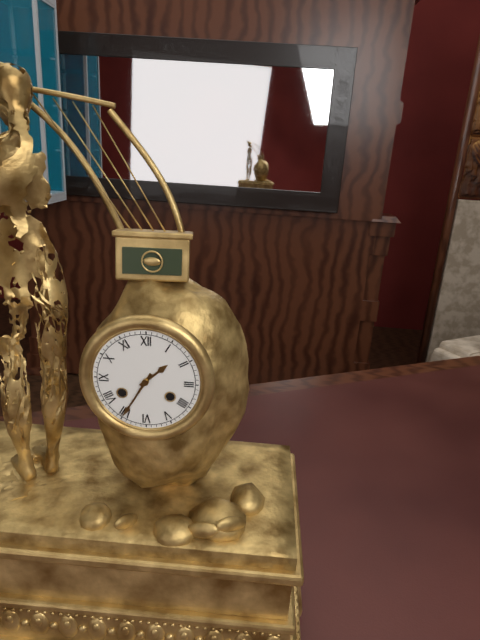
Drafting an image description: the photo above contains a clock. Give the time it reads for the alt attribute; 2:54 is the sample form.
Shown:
1:35
